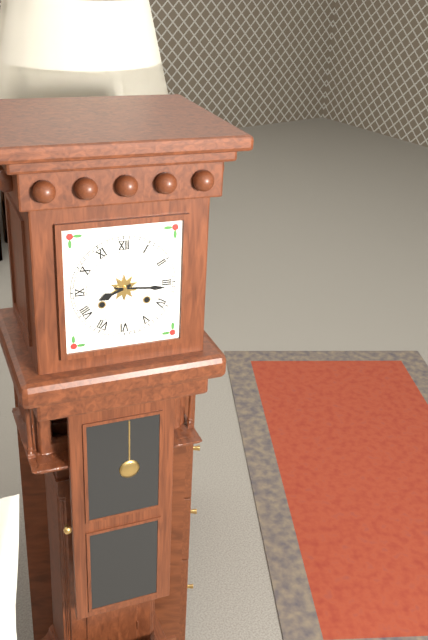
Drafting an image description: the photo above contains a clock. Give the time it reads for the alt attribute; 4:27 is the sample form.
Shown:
8:16
